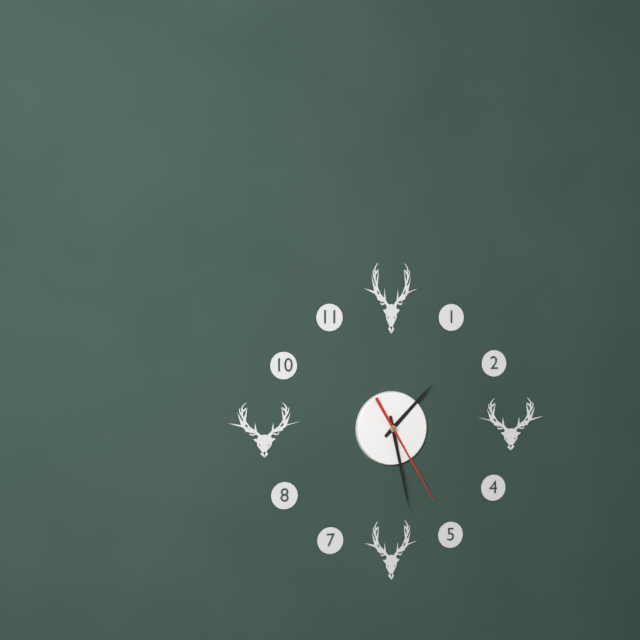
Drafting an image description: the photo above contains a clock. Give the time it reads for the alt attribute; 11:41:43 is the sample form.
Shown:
1:28:25
